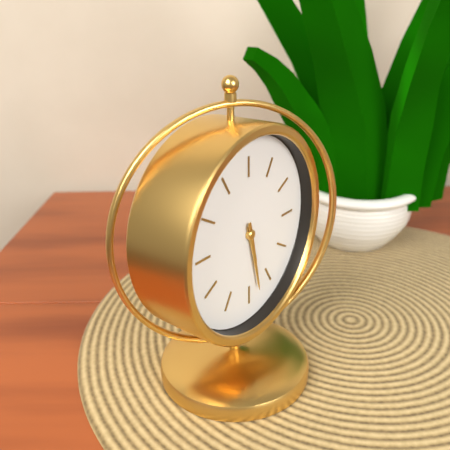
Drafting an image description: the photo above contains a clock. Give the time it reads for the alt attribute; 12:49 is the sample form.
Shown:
5:28
